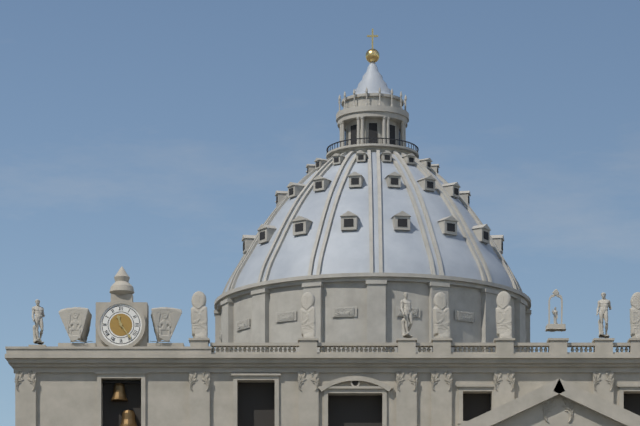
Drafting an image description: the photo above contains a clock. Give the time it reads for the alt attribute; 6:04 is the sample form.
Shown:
11:24
